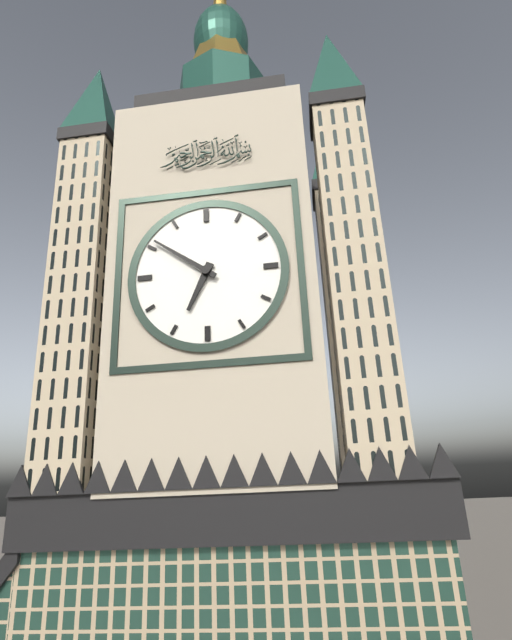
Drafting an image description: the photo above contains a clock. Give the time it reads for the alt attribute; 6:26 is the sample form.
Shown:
6:51
